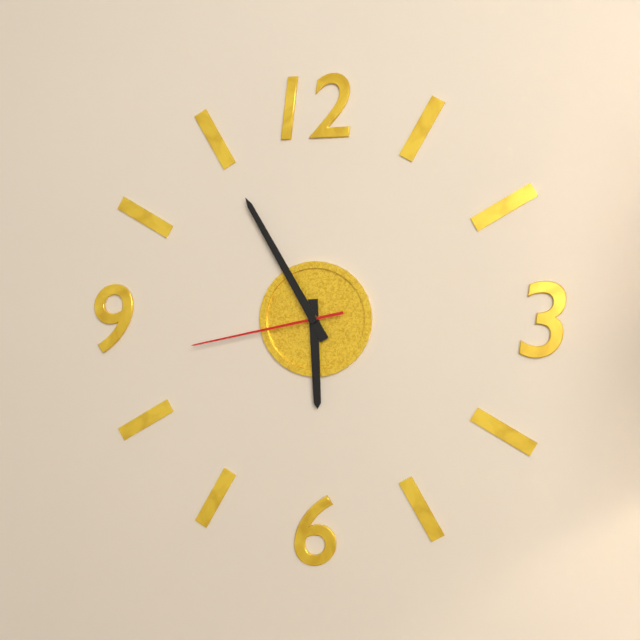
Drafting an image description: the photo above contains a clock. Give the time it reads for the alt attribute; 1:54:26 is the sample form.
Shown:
5:55:43
